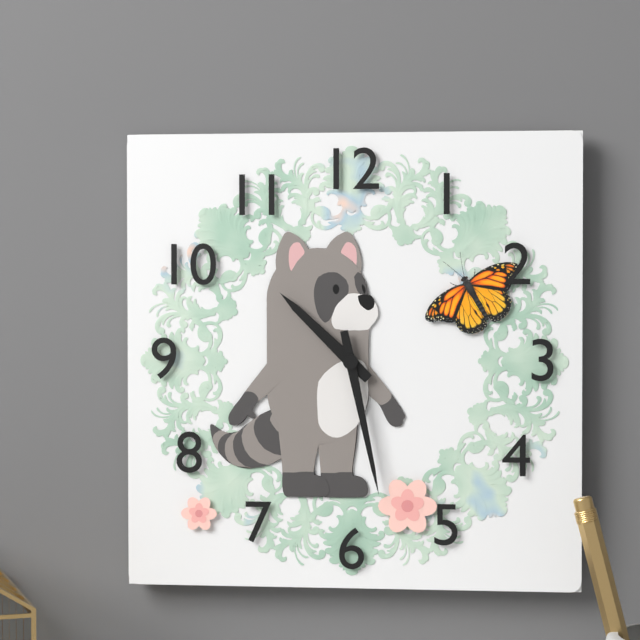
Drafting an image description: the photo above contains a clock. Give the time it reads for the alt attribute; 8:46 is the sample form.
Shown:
10:28
